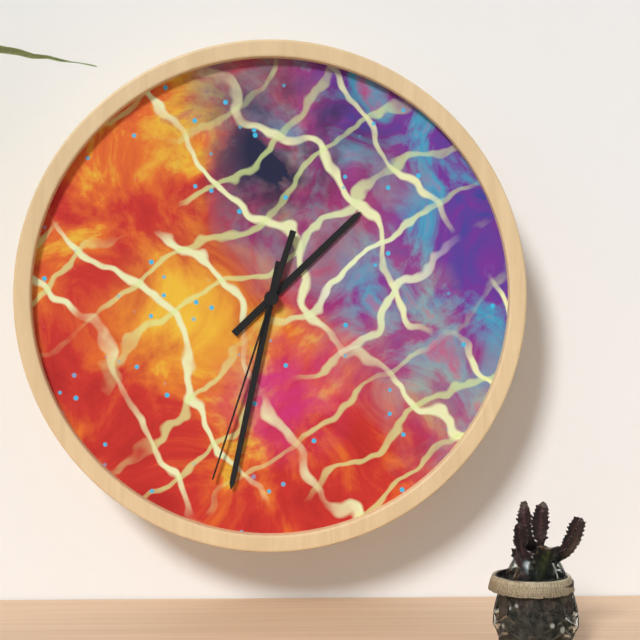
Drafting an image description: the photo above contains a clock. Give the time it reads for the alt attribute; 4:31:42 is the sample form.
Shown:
1:32:33
